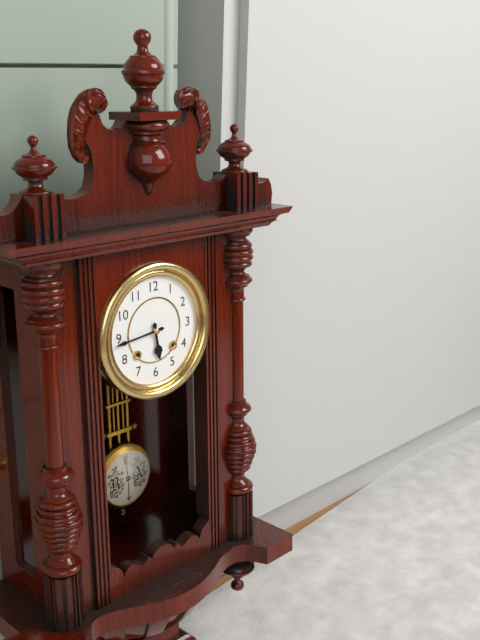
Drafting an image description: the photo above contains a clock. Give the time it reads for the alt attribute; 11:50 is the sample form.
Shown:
5:44
